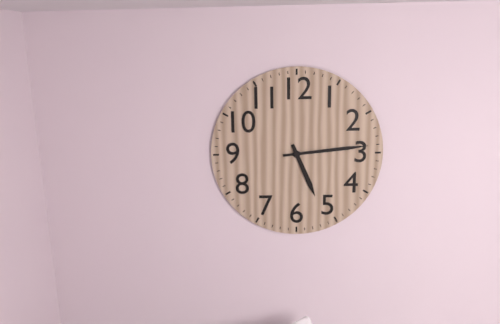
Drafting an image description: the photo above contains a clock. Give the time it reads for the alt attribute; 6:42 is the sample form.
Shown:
5:14
